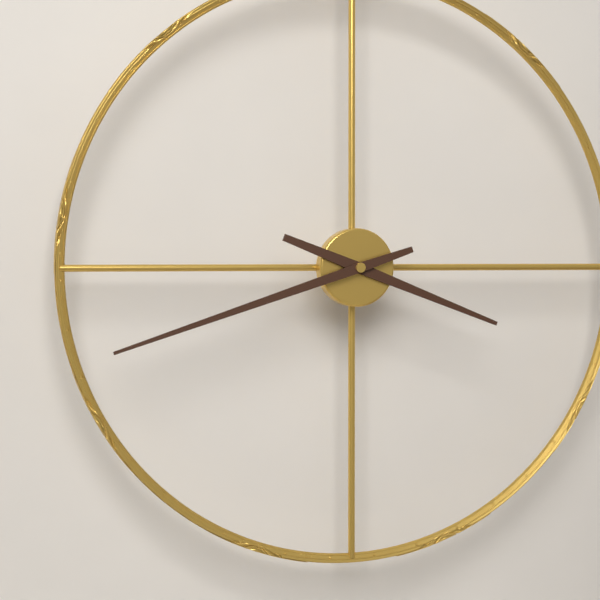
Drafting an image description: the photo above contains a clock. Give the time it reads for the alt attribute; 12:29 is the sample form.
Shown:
3:42
